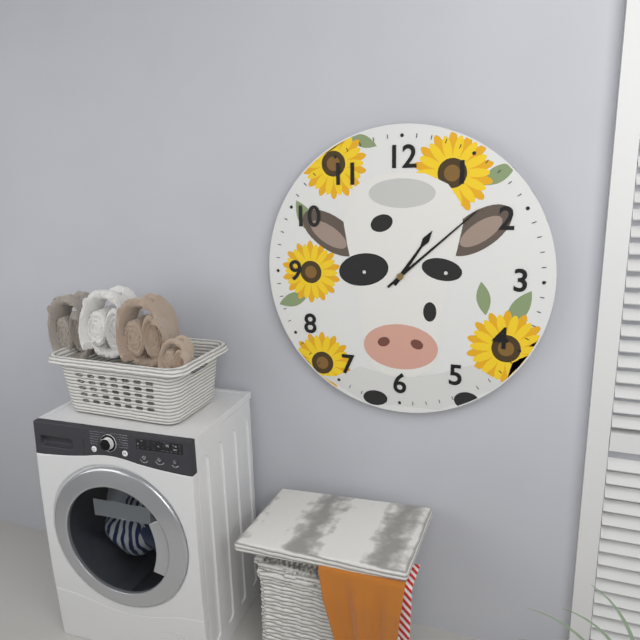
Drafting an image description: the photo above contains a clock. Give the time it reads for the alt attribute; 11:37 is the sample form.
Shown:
1:08
